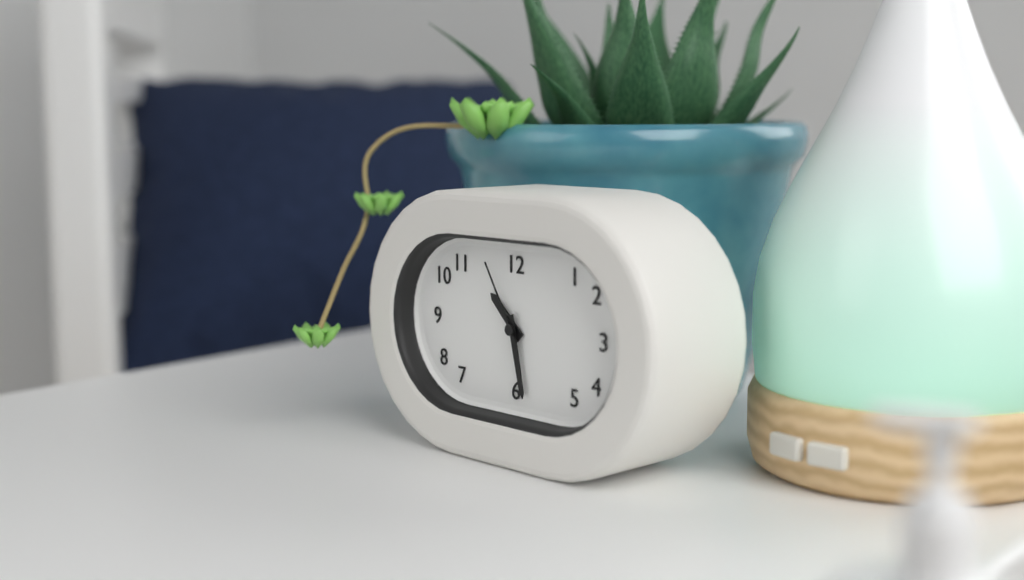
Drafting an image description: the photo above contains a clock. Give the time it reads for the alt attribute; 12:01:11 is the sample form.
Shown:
10:28:55
